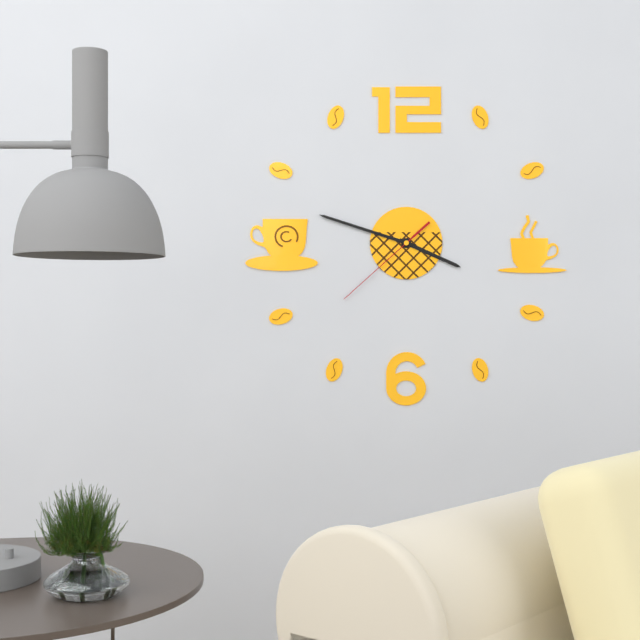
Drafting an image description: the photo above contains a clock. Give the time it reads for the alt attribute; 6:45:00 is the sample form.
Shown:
3:48:38
